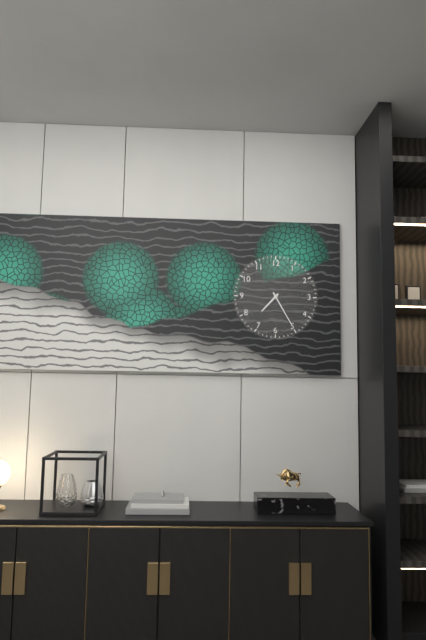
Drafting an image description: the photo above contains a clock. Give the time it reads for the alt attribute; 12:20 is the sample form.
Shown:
7:25
